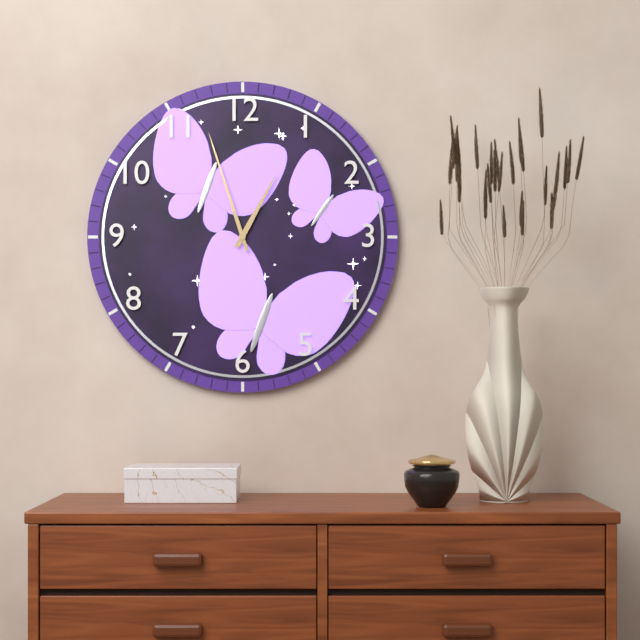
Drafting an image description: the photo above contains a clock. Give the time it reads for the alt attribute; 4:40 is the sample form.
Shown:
12:57
